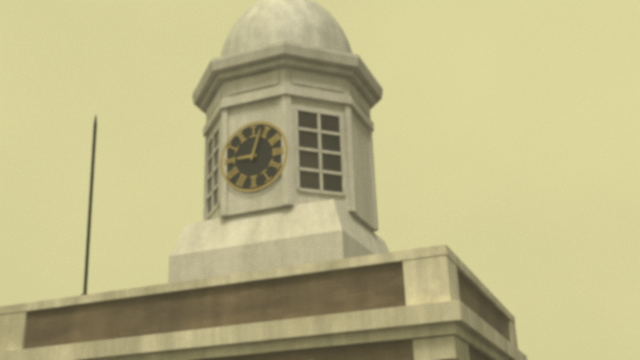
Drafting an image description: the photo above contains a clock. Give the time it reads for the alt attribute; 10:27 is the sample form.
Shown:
9:03
